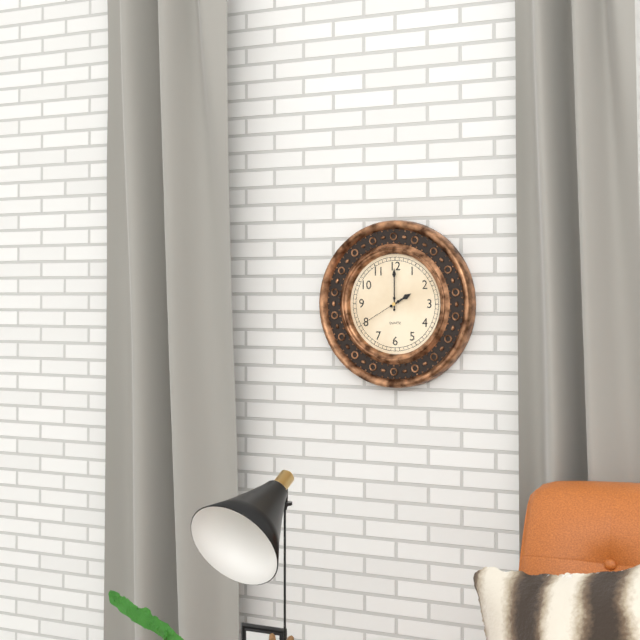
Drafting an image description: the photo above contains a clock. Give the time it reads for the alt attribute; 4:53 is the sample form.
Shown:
2:00
